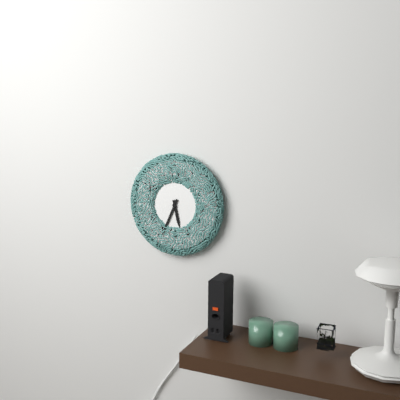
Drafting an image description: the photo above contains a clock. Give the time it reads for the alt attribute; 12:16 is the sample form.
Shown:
5:34
